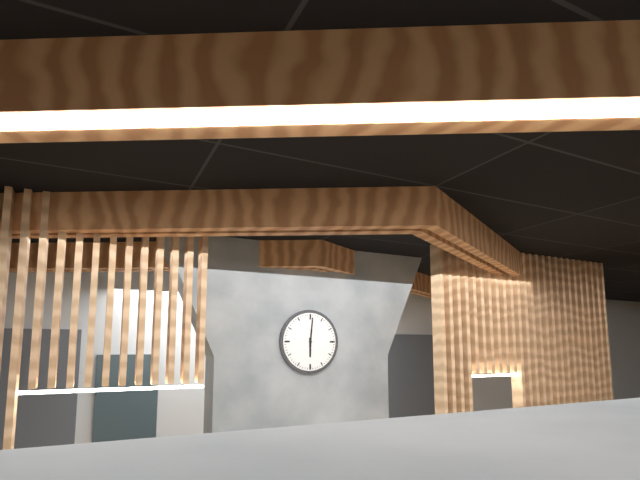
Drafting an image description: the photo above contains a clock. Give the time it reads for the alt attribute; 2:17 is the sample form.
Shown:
6:01
